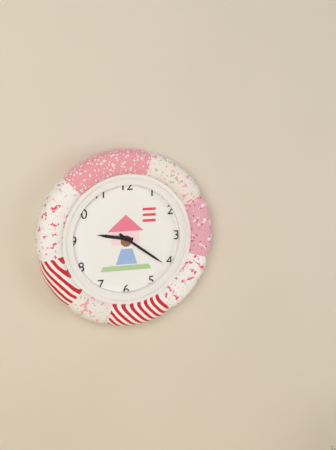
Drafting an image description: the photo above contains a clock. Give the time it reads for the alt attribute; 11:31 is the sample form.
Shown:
9:21
